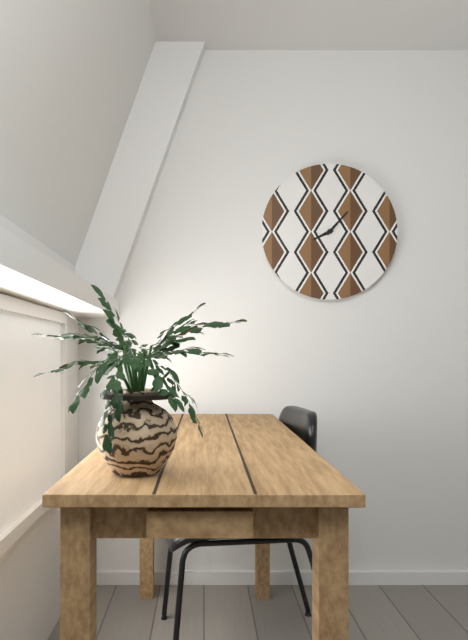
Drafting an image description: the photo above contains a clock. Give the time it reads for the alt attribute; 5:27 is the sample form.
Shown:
8:07
